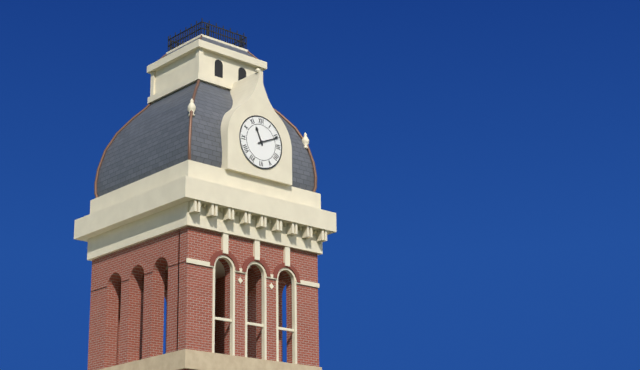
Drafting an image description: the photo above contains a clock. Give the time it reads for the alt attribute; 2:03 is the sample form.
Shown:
11:11
